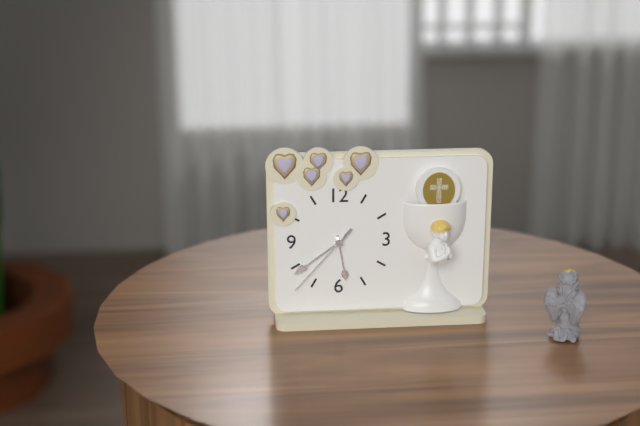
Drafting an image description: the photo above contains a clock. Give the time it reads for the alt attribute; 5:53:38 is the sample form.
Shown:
5:39:37
